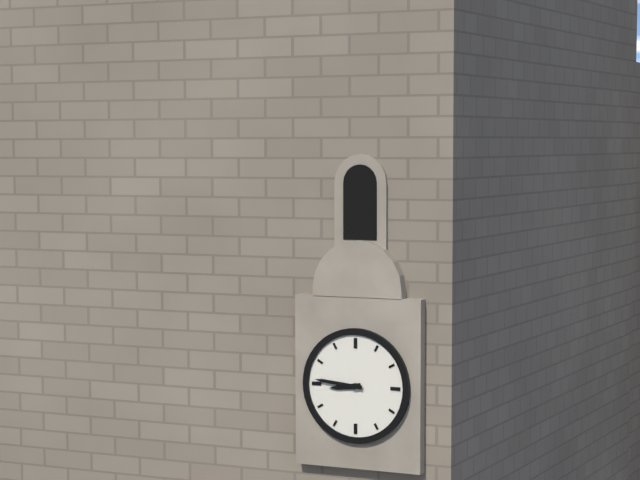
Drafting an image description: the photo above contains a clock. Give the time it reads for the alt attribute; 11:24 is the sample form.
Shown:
8:46
